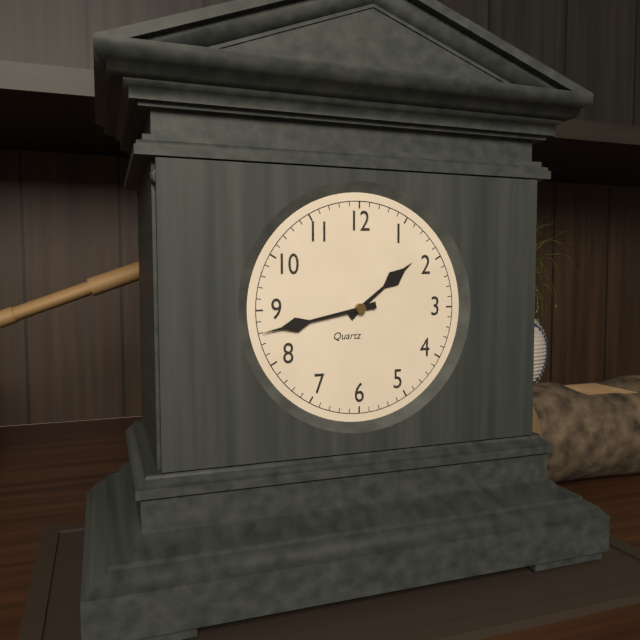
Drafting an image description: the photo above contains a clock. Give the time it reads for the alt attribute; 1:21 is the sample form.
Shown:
1:43
